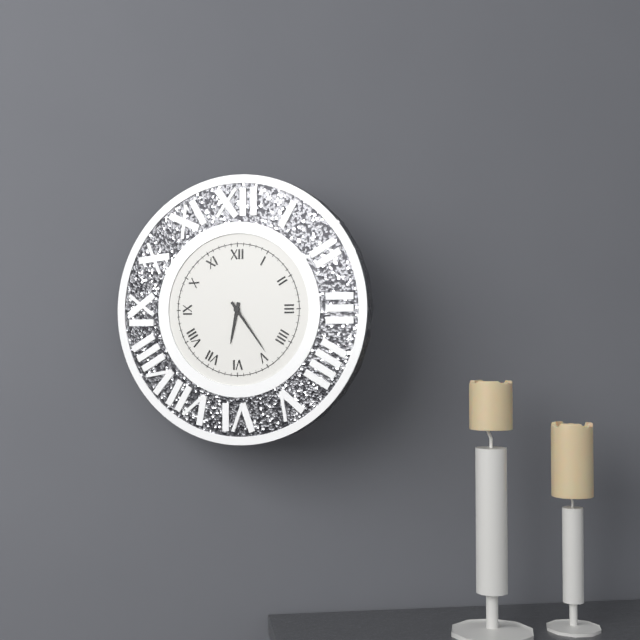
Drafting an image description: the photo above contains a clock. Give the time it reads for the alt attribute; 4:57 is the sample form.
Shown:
6:24
